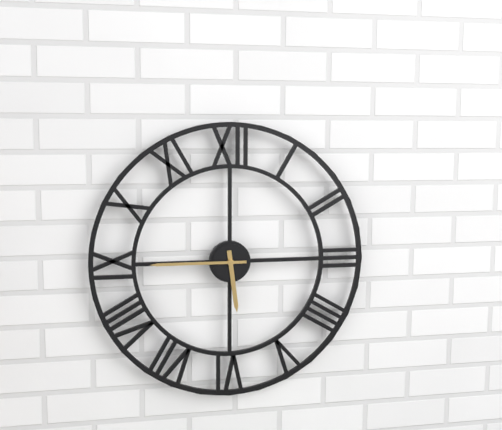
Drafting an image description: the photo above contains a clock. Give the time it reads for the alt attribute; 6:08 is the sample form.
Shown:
5:45
